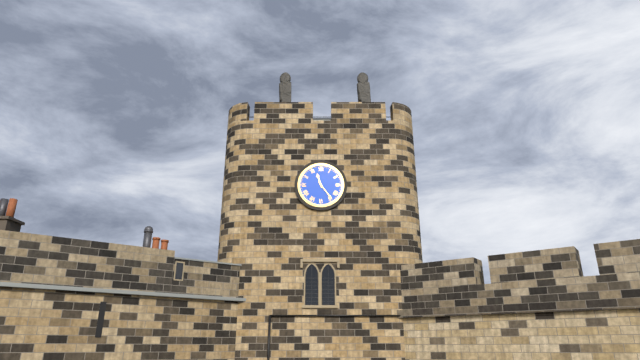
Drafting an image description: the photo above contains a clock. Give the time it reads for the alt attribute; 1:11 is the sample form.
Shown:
11:24
